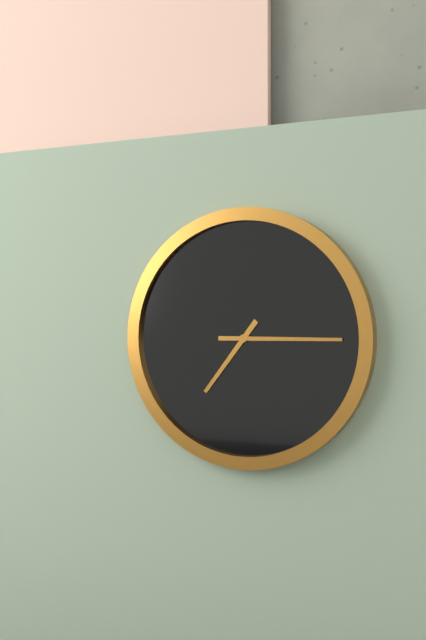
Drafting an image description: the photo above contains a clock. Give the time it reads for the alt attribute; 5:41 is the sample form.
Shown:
7:15
